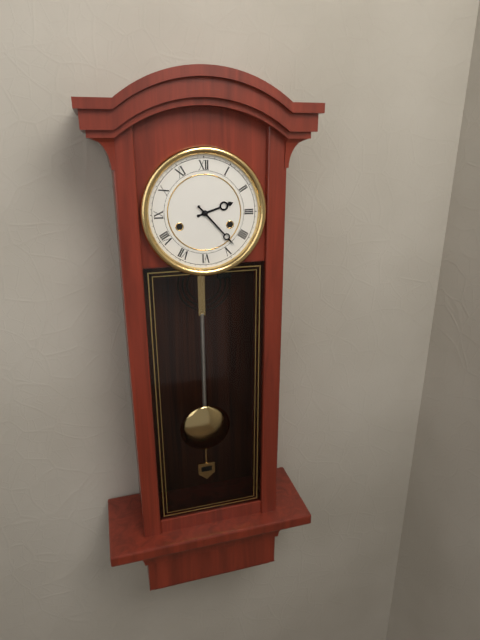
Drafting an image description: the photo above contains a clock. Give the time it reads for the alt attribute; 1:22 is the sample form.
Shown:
2:23
